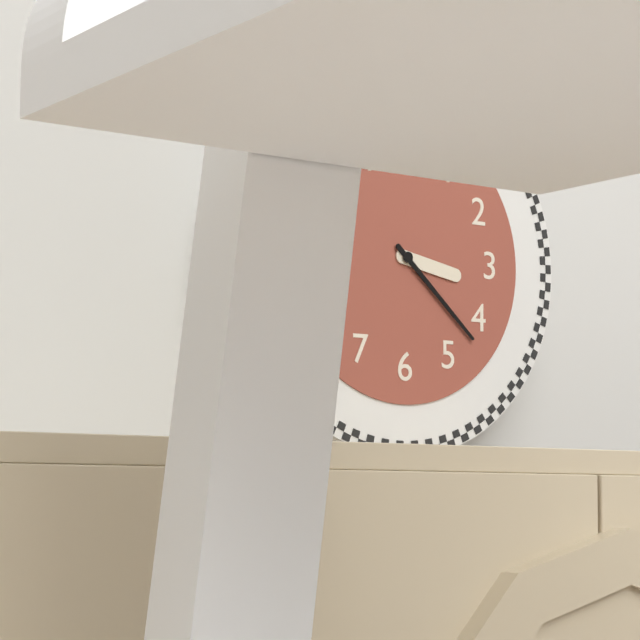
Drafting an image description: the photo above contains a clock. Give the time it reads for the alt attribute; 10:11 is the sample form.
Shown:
3:22
